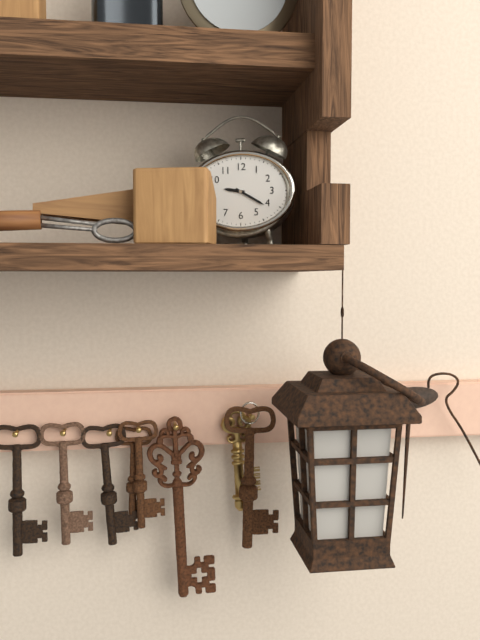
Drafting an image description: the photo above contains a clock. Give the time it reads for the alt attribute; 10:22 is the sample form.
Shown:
9:20
